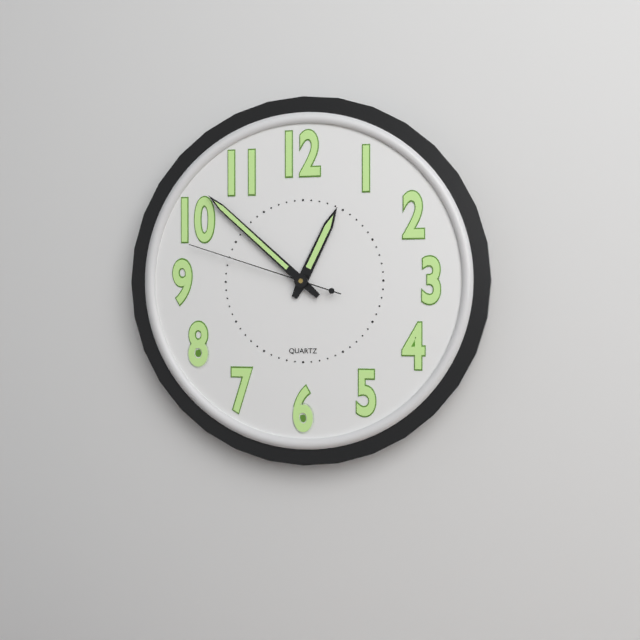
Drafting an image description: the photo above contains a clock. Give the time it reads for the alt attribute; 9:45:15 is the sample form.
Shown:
12:52:48
